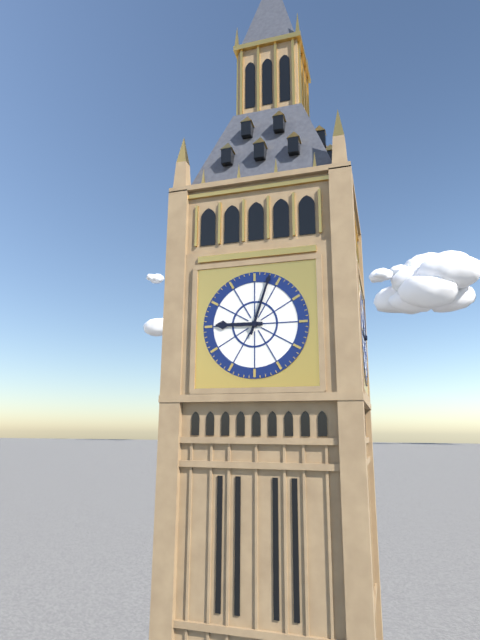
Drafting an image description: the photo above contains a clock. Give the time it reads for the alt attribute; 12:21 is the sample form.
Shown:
9:03
